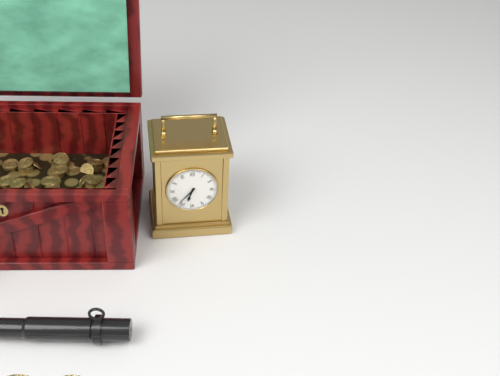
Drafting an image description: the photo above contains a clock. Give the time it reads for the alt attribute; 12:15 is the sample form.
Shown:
6:37
